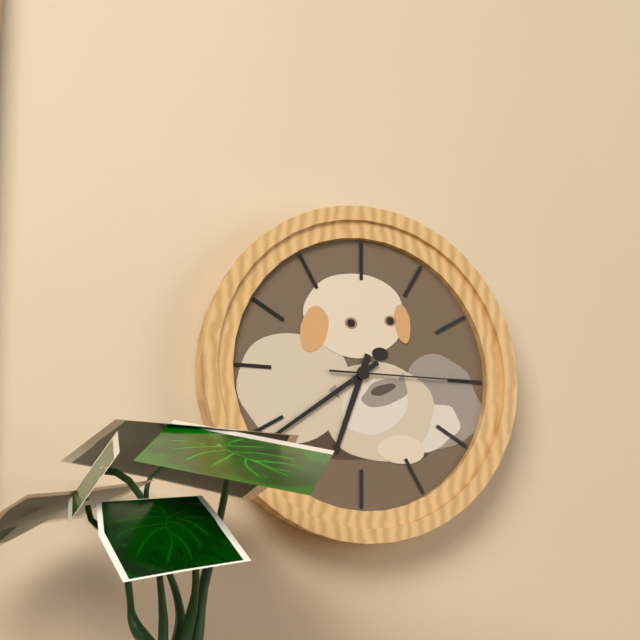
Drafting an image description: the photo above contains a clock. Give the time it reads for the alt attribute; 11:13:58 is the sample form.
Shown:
6:39:15
